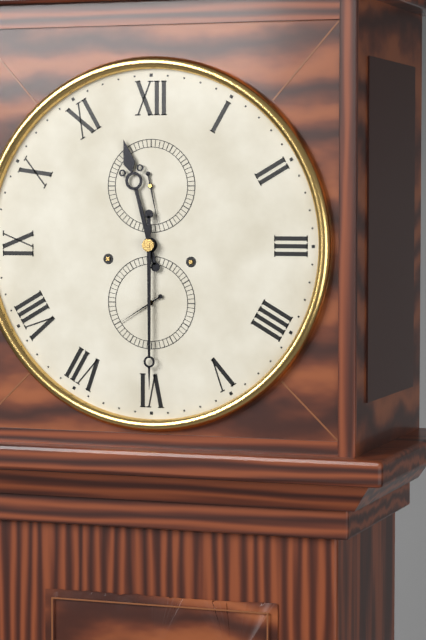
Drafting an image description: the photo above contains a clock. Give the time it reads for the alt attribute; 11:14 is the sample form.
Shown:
11:30
